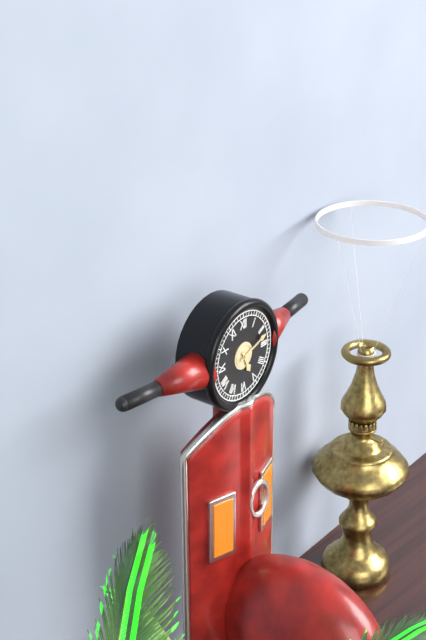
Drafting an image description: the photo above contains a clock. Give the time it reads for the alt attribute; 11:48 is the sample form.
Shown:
5:12
